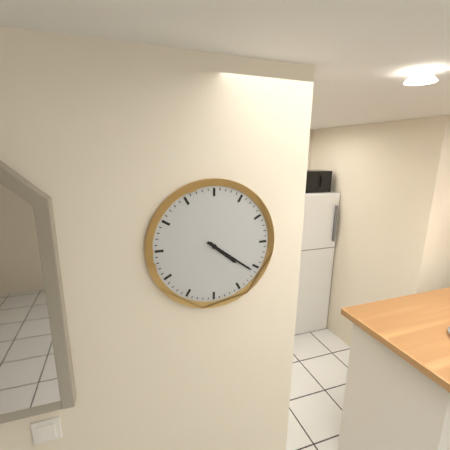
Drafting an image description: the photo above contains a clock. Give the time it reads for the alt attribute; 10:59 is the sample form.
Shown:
4:21
